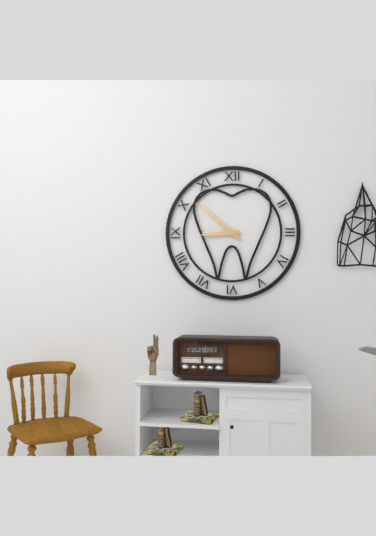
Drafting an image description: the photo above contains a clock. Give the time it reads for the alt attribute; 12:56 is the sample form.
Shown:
8:52
